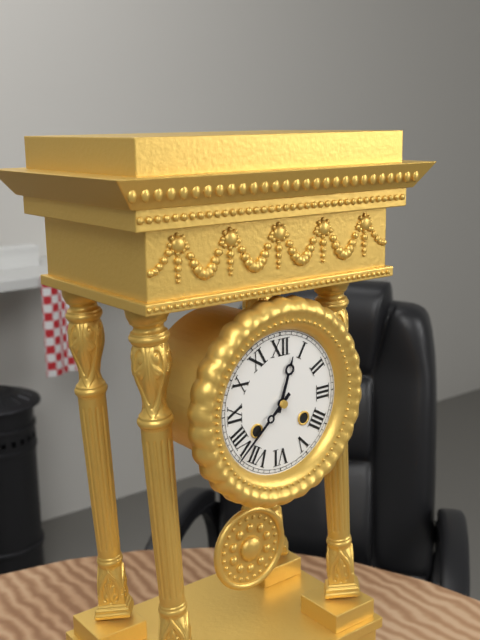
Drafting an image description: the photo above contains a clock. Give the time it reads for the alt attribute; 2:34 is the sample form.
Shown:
12:38
